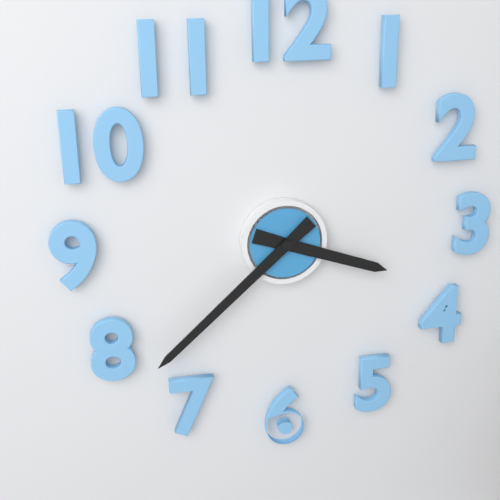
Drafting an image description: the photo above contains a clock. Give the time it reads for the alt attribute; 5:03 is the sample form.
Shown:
3:38
